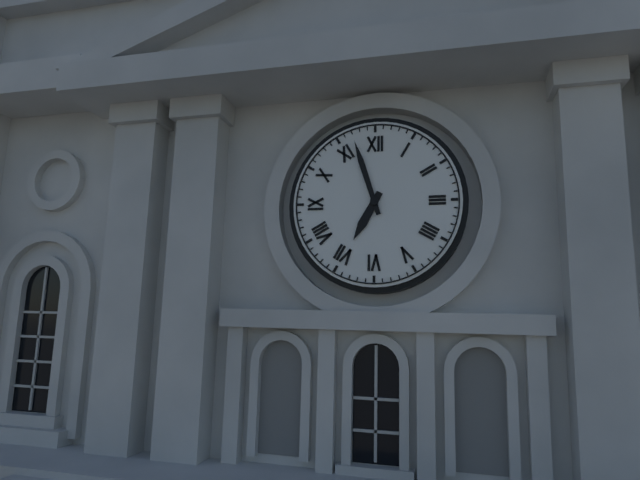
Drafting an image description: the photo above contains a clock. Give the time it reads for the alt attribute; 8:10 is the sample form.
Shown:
6:57
